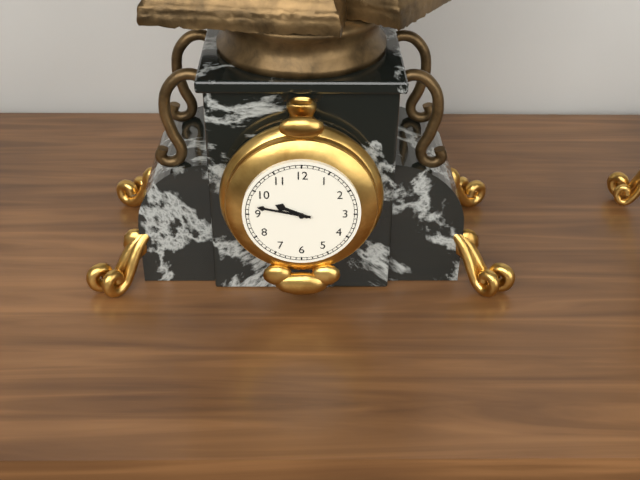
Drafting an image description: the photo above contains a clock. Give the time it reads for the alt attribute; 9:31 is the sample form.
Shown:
9:47
